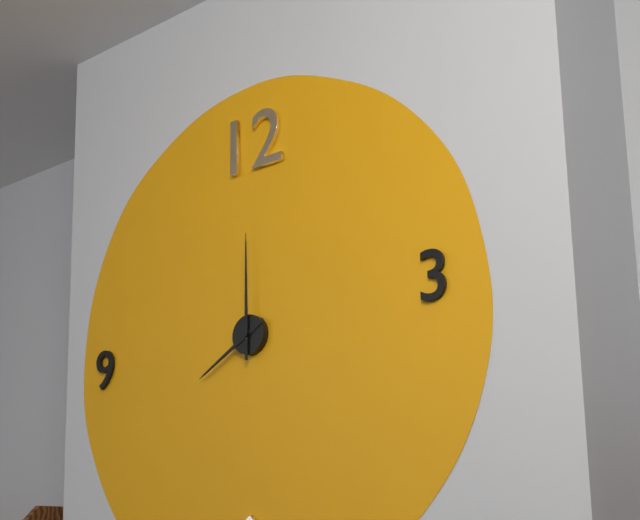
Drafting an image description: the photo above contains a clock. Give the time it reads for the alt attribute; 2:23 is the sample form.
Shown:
8:00
